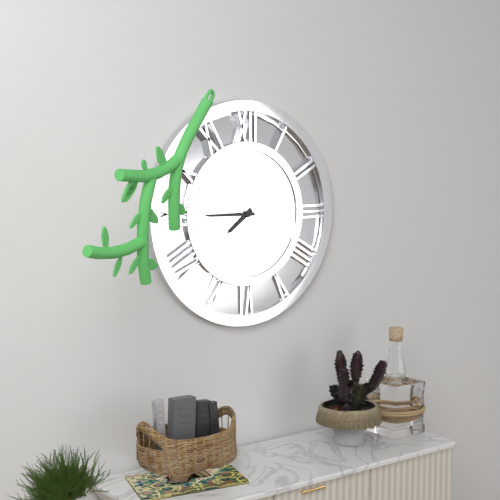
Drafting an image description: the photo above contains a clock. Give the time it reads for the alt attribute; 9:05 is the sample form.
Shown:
7:45
